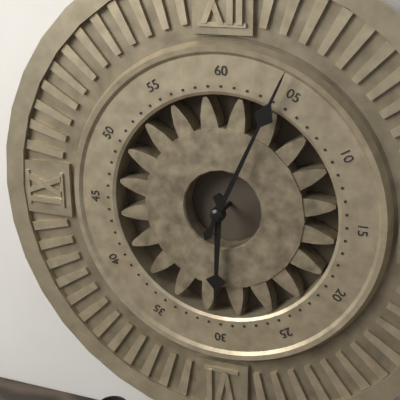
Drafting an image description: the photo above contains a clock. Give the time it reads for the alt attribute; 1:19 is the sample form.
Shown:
6:04
